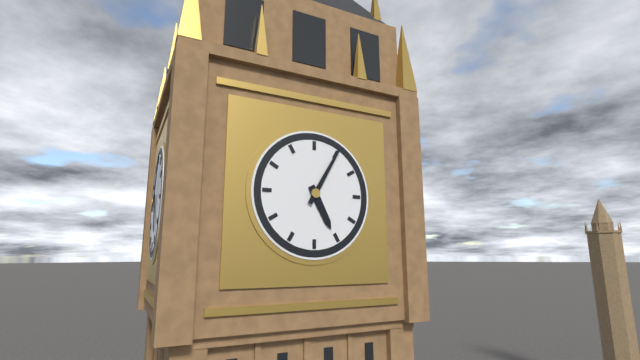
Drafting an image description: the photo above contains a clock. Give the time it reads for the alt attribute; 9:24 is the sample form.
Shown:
5:05
